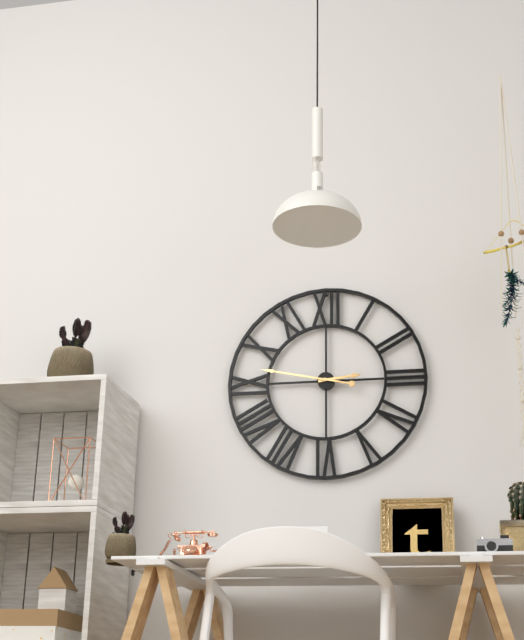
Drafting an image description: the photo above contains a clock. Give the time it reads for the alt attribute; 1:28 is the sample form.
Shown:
2:47
